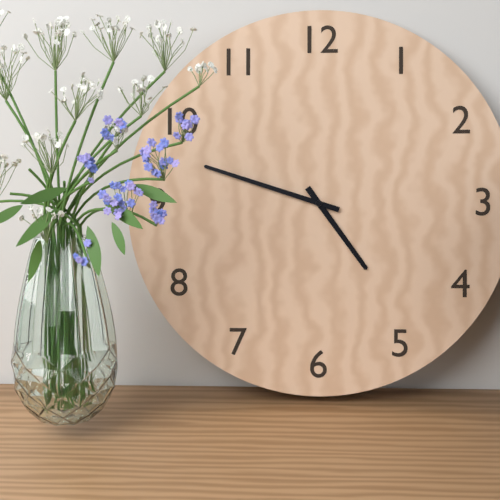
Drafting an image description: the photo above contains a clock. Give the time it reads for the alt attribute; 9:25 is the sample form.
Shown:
4:48
